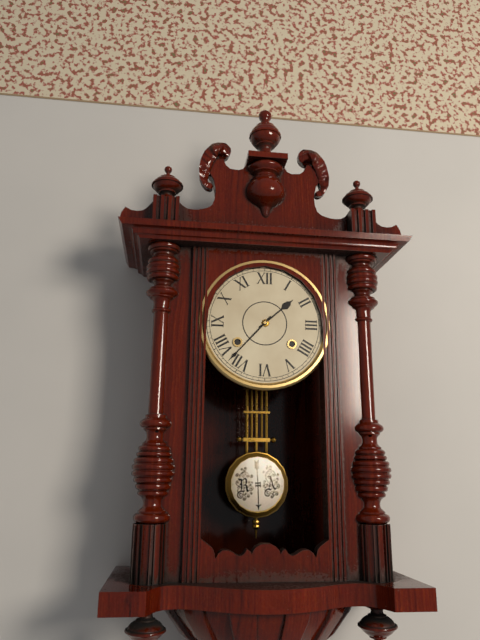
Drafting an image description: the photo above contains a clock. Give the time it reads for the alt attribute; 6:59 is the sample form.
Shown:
1:37
